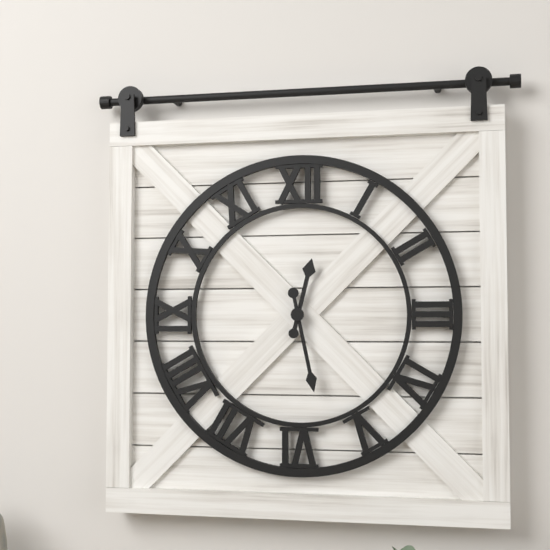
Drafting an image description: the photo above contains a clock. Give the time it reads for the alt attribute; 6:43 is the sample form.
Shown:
12:28
